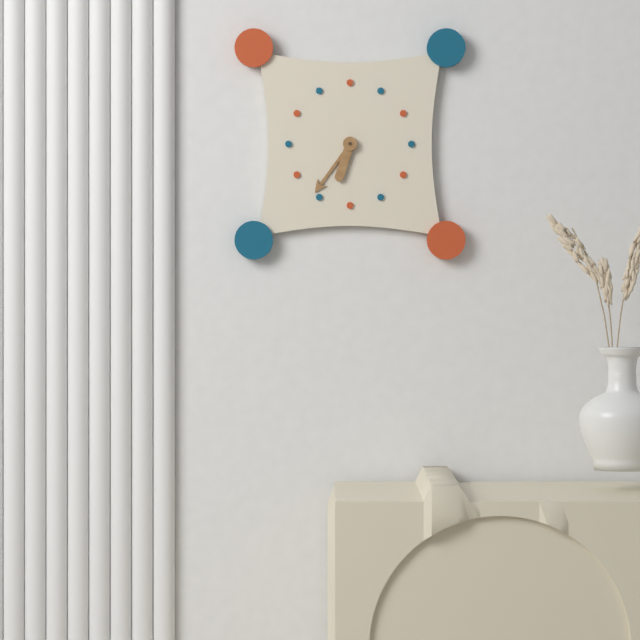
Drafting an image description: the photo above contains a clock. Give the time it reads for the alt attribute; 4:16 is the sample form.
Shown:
6:36
